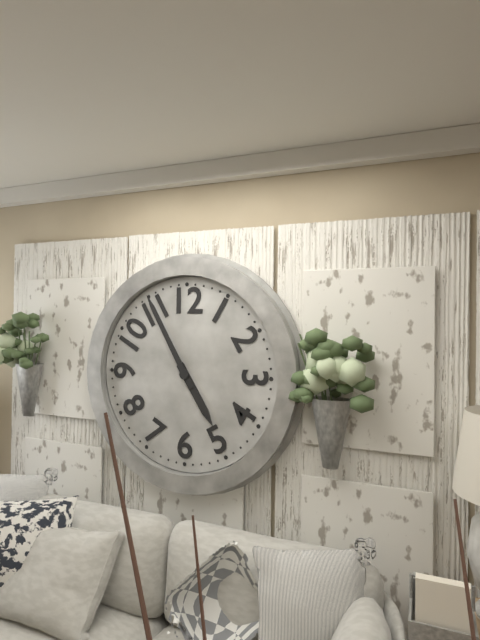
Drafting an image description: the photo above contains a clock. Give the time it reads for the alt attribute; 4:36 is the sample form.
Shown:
4:55
